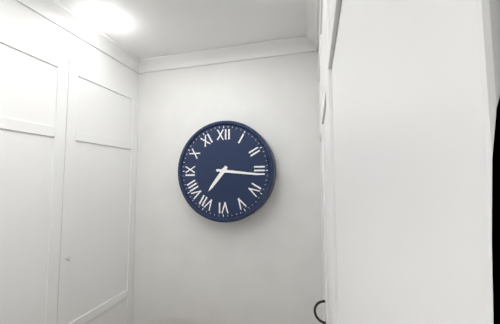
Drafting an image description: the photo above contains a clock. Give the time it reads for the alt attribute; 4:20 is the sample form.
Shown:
7:16
